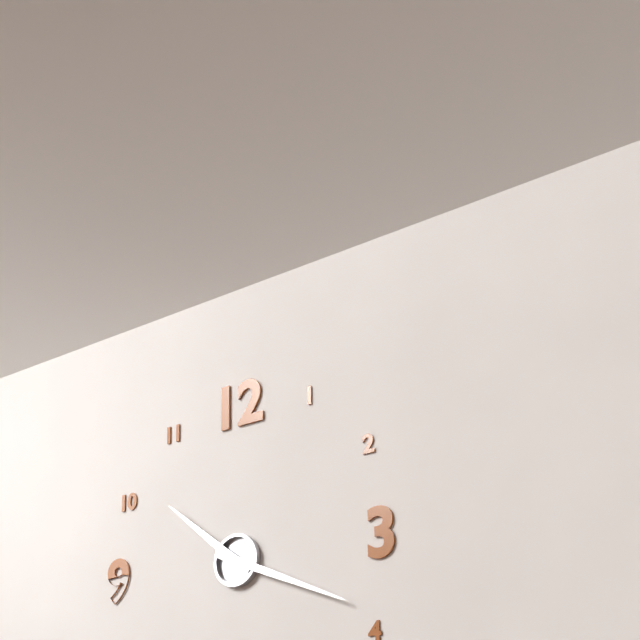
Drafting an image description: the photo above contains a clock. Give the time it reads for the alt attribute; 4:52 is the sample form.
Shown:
10:19
